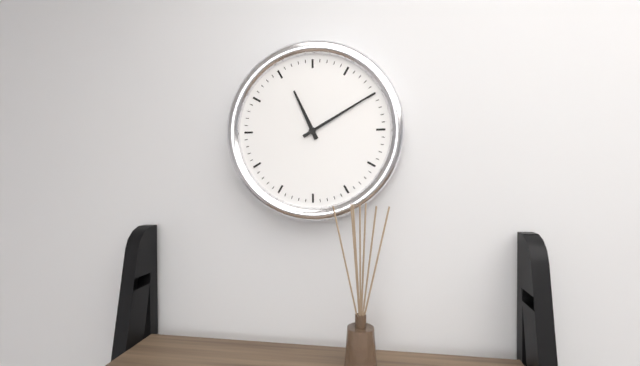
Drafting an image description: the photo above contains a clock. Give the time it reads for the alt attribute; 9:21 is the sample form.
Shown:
11:10
